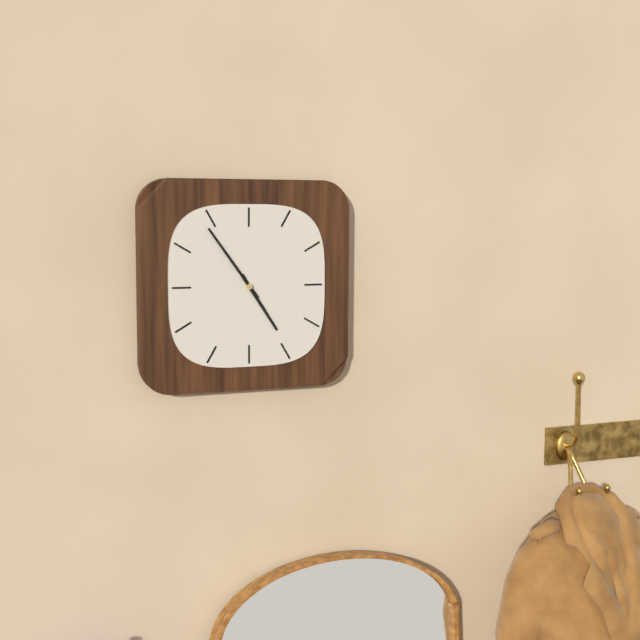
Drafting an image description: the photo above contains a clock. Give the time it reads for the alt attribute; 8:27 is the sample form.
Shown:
4:54
